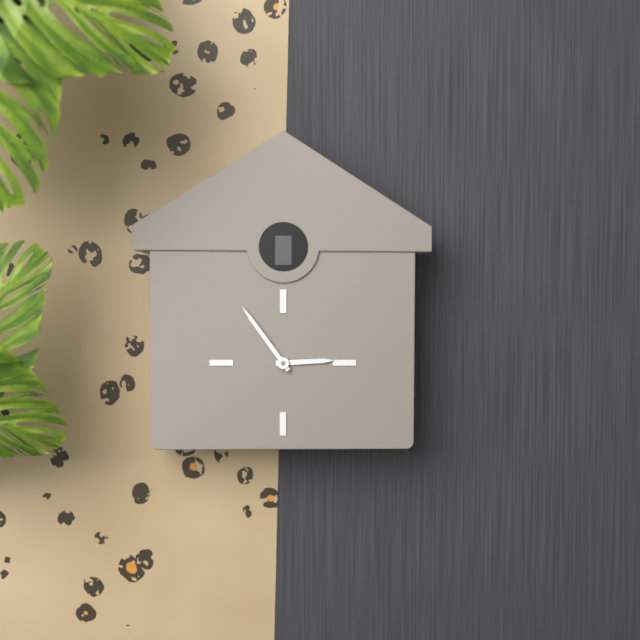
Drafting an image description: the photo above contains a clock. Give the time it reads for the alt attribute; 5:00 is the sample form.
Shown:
2:54
